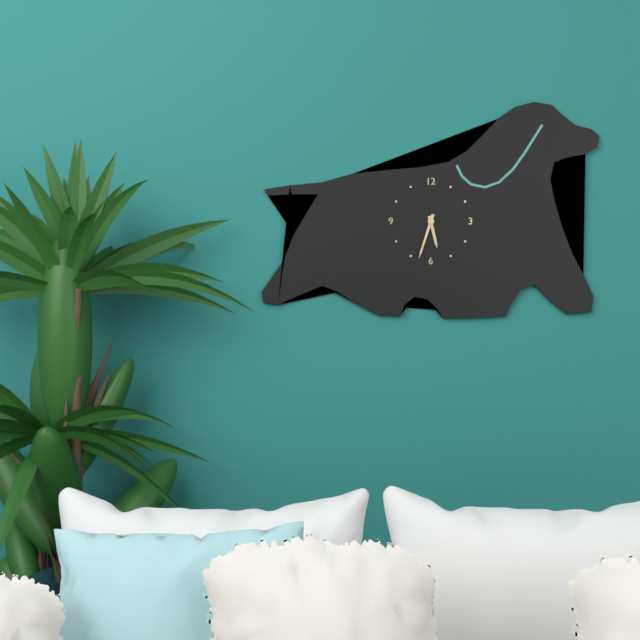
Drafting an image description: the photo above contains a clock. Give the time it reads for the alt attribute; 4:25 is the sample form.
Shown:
5:33
